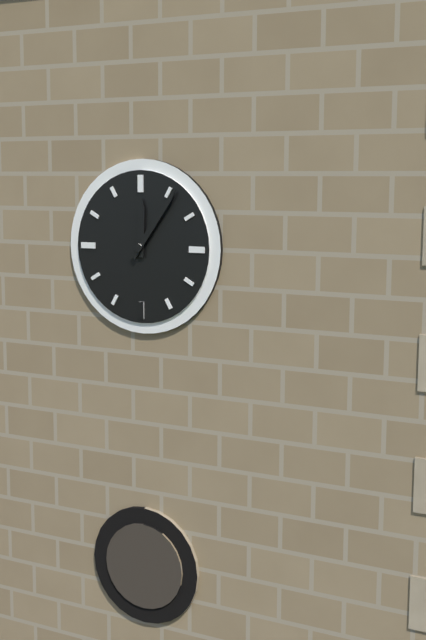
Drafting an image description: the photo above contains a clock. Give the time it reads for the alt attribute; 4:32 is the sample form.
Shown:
12:06
